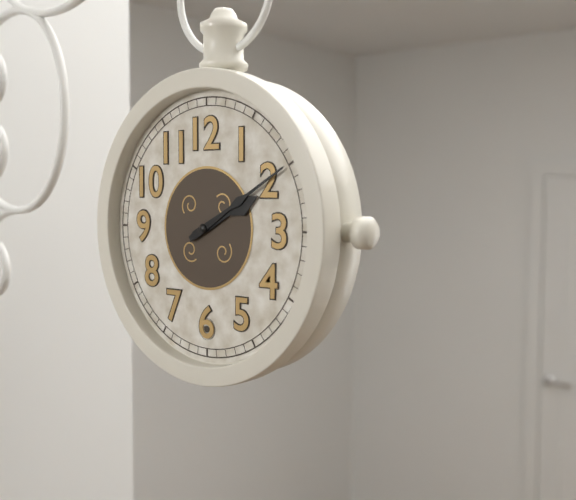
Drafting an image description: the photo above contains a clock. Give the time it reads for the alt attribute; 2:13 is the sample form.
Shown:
2:10
